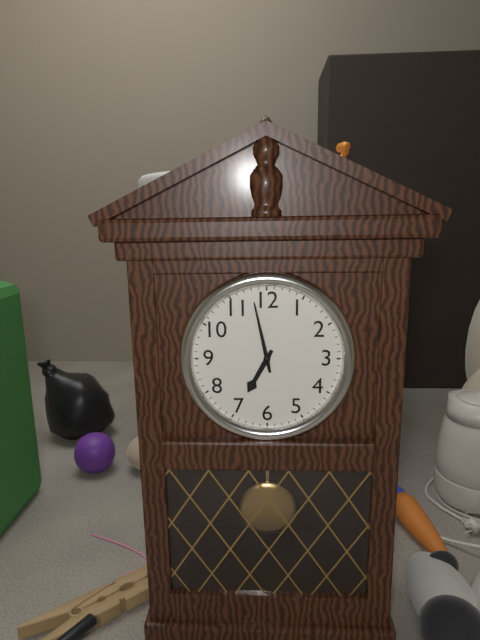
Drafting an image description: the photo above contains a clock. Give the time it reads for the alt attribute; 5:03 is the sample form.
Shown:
6:58
